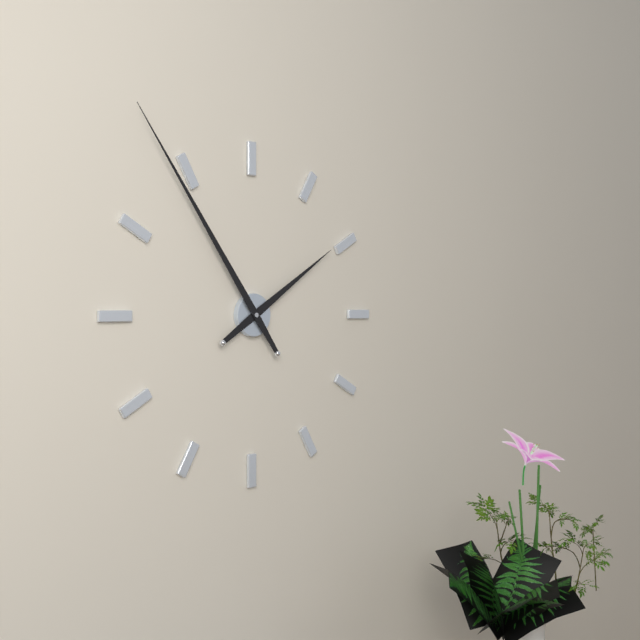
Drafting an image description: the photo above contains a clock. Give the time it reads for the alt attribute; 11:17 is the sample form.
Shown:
1:54
